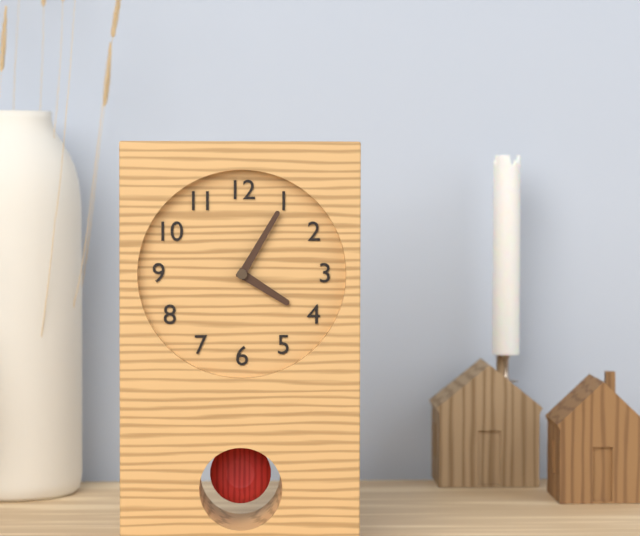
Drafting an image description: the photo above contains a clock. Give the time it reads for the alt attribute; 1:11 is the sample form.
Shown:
4:05
